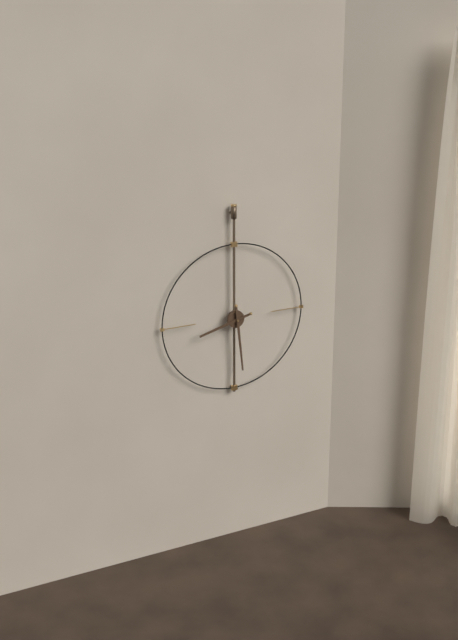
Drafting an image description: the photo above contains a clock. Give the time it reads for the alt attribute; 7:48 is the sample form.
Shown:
8:29
